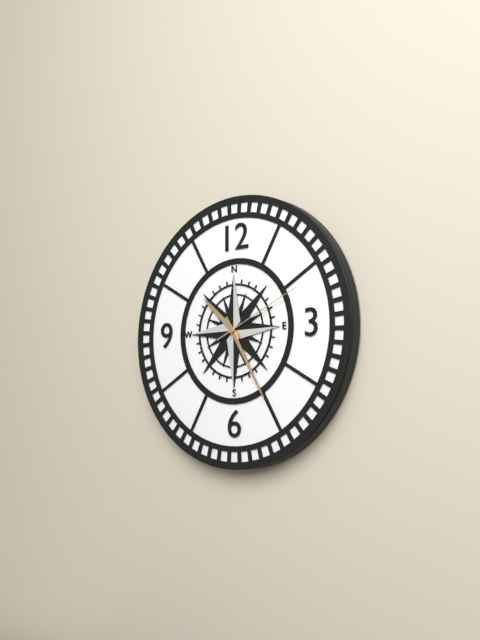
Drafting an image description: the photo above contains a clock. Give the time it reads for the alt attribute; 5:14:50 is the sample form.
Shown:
10:25:11
